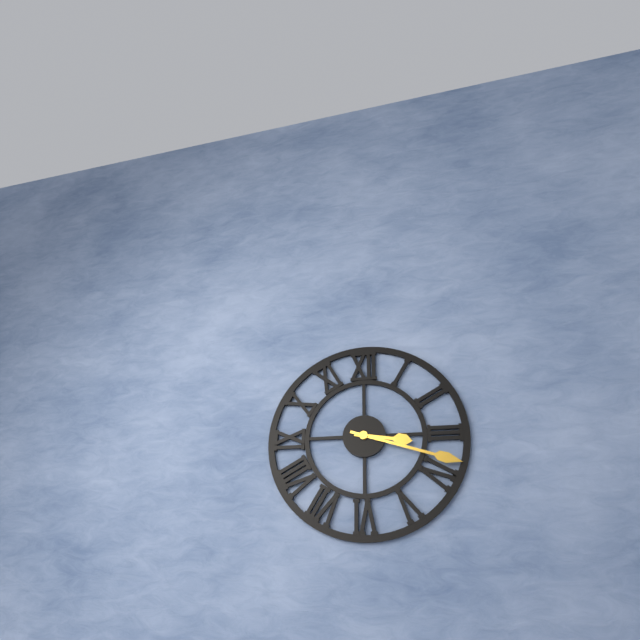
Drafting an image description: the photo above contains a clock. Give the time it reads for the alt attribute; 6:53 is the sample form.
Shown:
3:18
